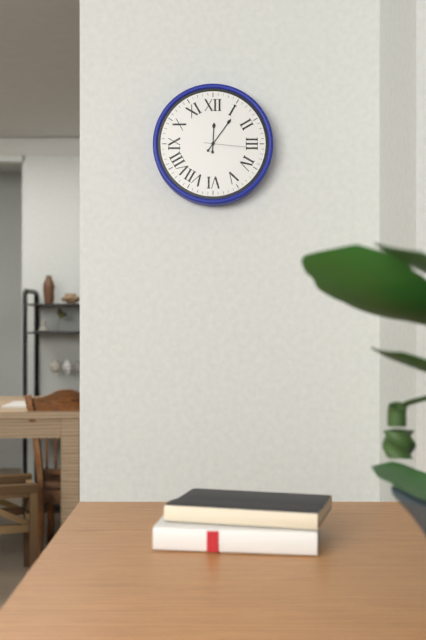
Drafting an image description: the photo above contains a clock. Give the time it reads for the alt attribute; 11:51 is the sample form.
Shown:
12:06
